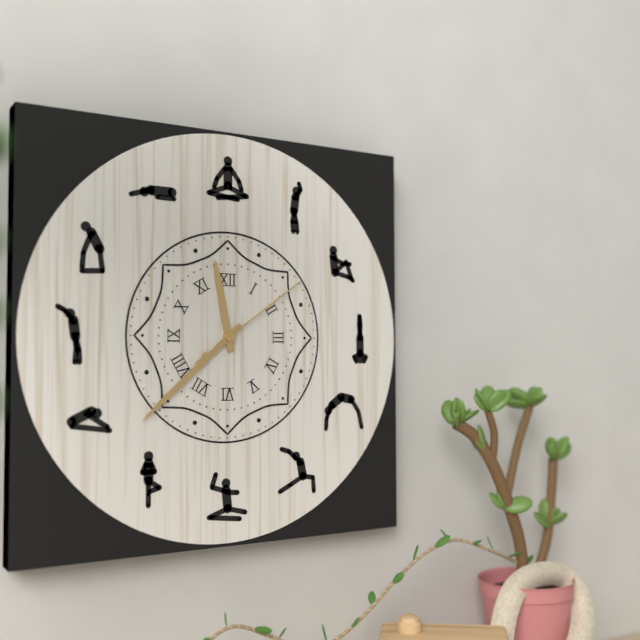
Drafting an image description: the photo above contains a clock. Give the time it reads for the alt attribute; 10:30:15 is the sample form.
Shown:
11:38:09
